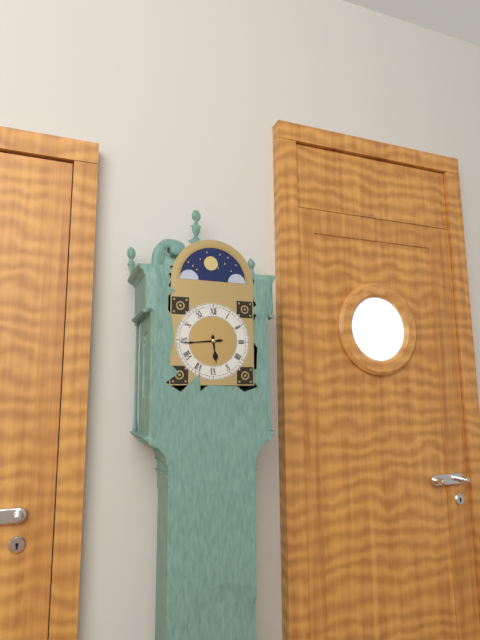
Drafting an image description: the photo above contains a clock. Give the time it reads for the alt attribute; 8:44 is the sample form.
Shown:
5:44
